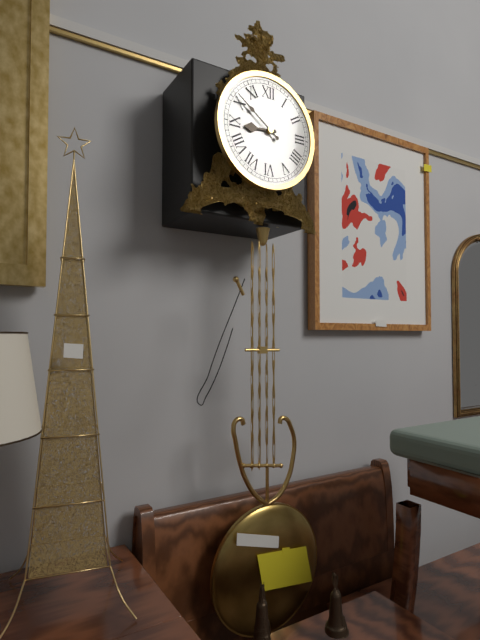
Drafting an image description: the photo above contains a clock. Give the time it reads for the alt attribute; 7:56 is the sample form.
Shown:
8:51
